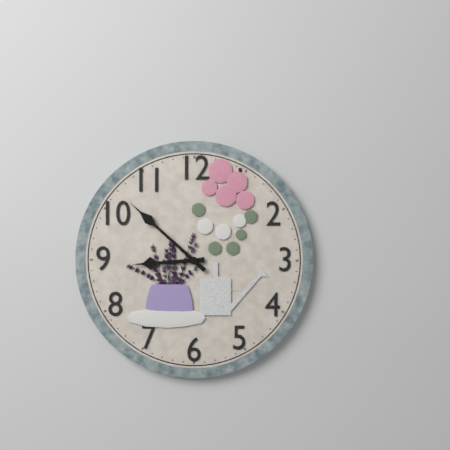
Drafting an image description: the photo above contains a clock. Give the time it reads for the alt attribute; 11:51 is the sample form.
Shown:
8:52
